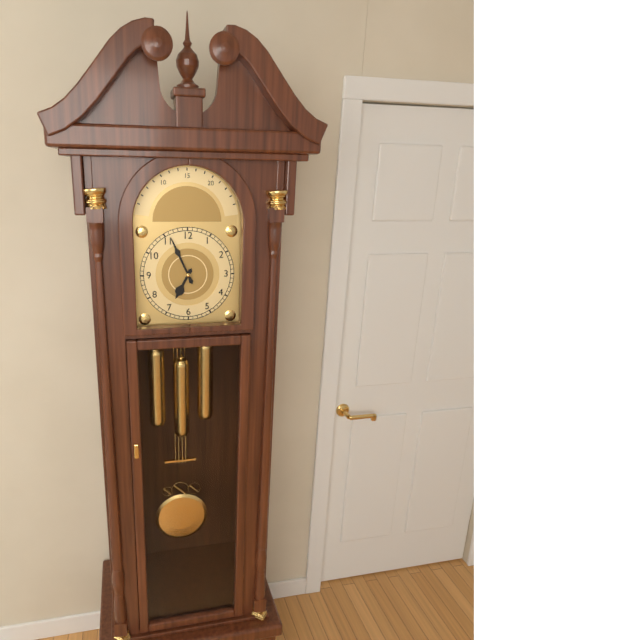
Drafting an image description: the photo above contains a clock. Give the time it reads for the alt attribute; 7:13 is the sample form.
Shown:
6:56
